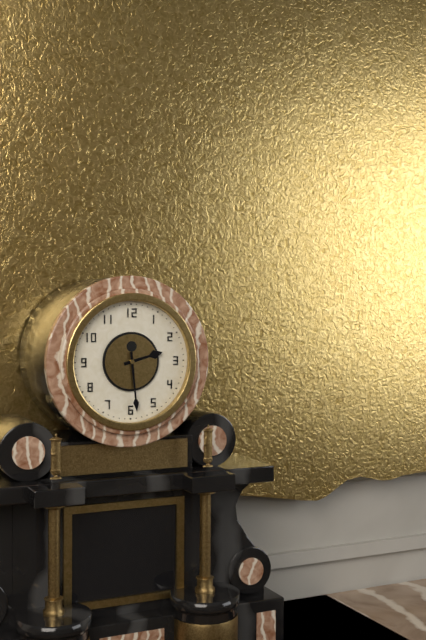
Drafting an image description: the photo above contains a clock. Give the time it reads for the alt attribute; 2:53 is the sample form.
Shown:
2:29
